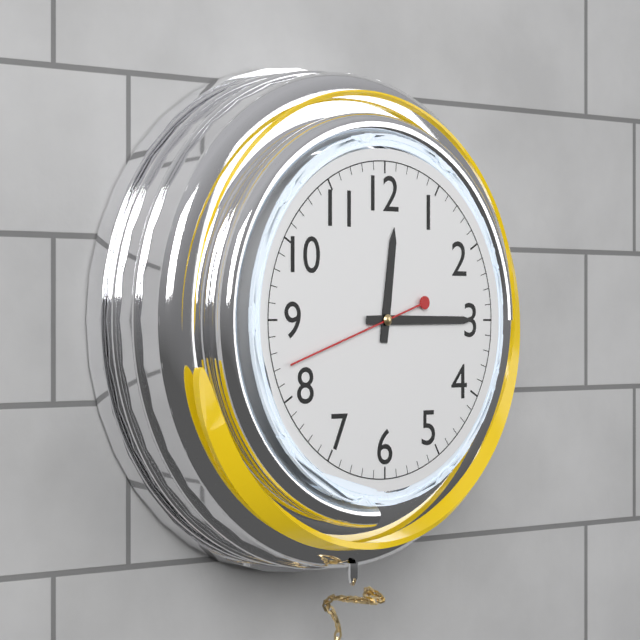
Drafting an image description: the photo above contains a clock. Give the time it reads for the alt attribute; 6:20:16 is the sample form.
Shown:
12:15:42
